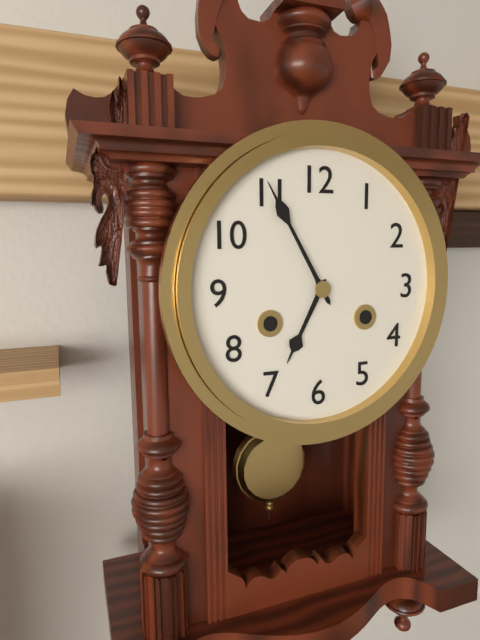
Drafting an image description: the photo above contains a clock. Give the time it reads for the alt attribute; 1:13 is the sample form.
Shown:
6:55
